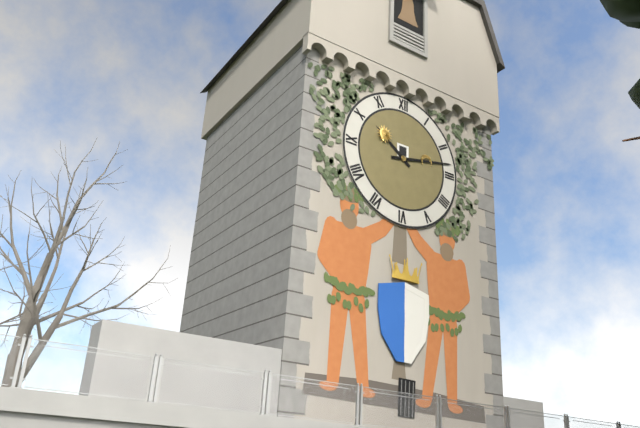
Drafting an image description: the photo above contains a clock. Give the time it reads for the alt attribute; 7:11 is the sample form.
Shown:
10:13
